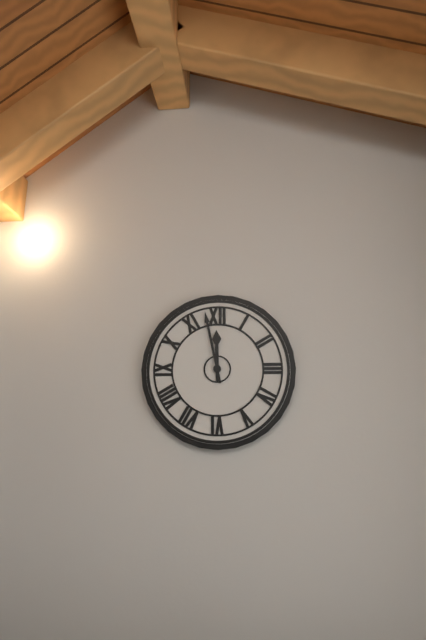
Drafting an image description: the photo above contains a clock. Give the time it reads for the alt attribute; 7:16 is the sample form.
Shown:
11:58
